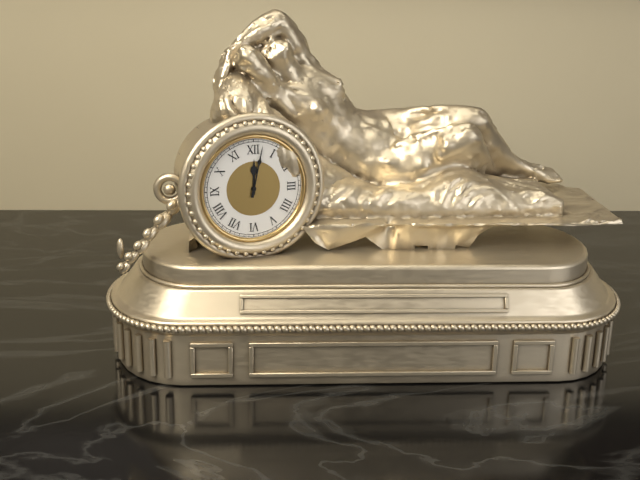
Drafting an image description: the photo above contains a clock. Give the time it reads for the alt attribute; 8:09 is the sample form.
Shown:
12:02
